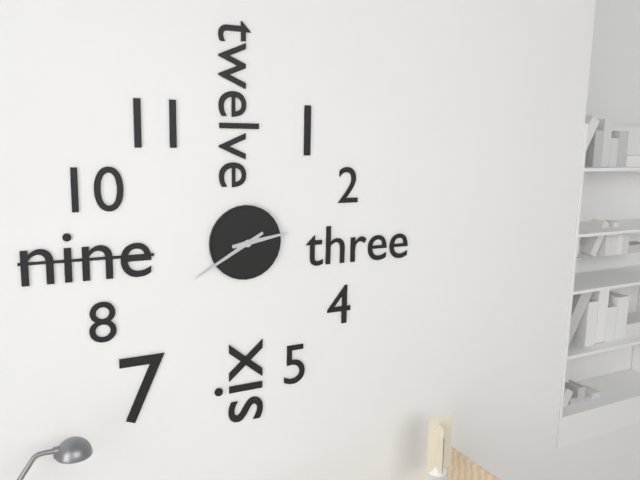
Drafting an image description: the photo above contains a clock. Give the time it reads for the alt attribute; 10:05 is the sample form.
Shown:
2:40
